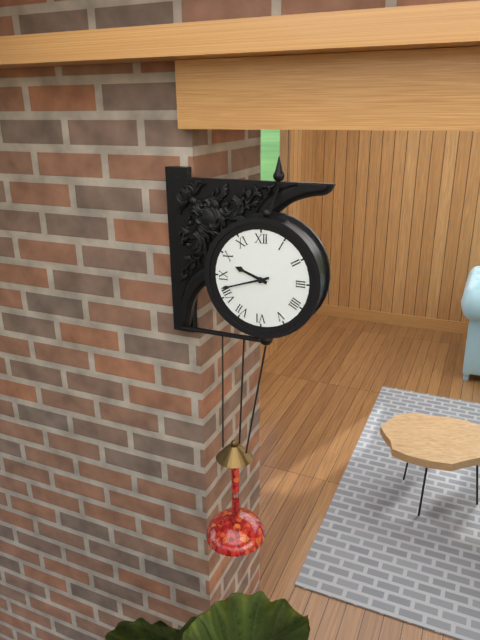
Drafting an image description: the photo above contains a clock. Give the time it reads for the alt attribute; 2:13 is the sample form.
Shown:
9:42
